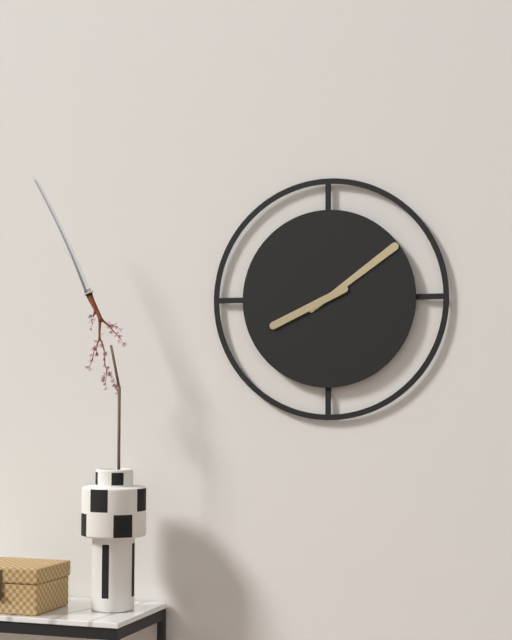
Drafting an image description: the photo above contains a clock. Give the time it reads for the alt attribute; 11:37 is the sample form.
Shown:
8:09
